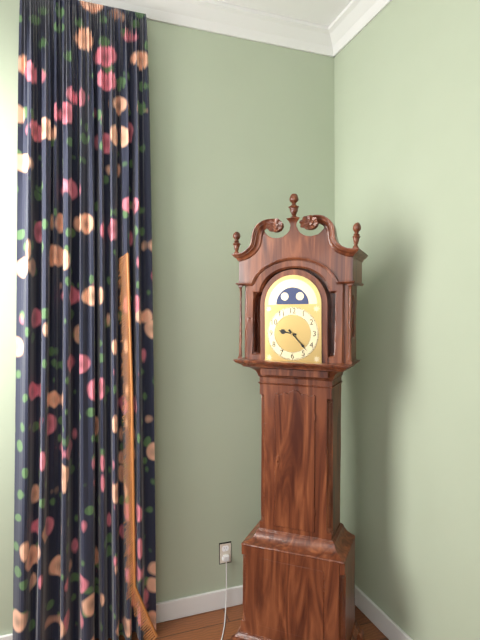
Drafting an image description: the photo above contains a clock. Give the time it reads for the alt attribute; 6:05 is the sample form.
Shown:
9:23
